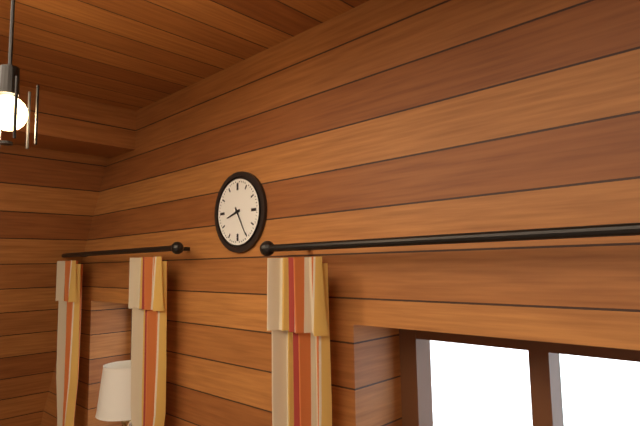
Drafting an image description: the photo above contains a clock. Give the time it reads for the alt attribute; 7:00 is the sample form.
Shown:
8:25
